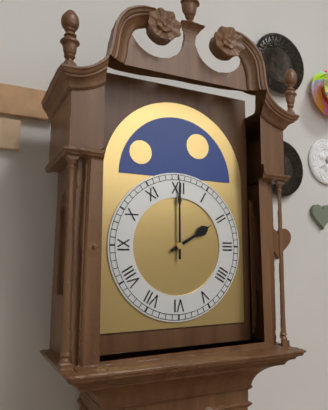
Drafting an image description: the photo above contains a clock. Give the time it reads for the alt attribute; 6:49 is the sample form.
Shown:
2:00
